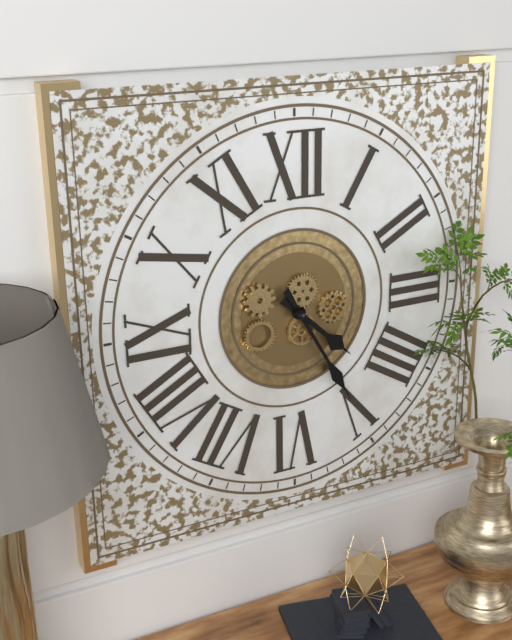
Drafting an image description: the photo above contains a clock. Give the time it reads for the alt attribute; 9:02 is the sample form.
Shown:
4:25
